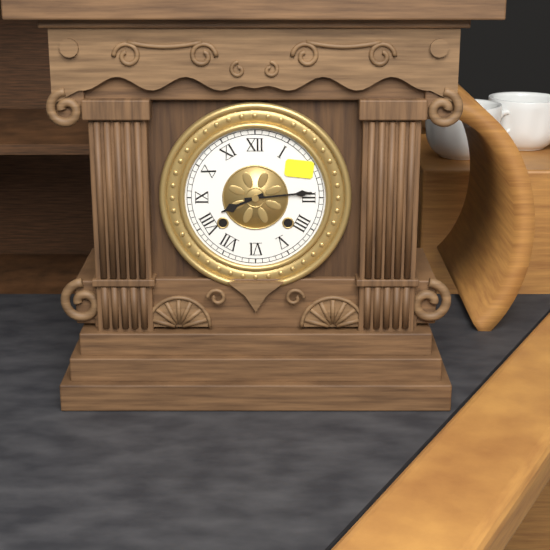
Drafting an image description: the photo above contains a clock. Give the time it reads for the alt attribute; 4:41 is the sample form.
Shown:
8:14
